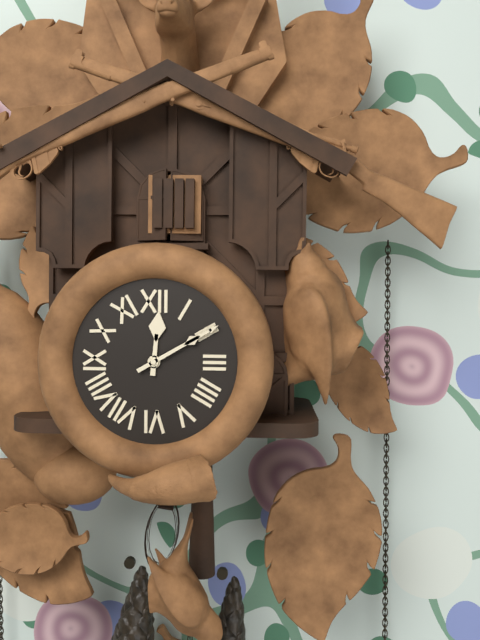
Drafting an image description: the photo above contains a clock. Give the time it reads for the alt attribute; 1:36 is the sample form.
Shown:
12:10
